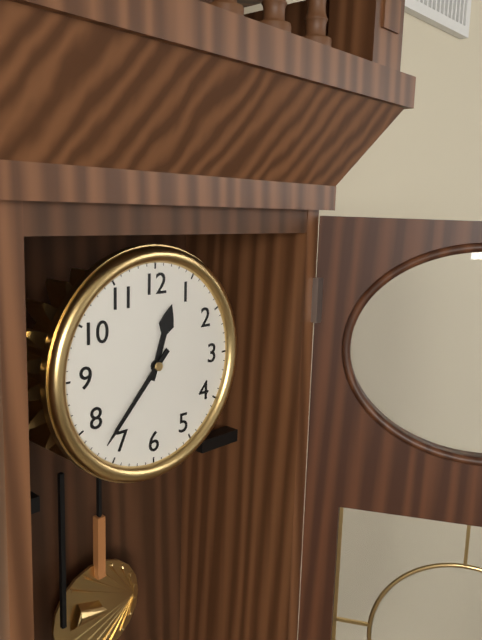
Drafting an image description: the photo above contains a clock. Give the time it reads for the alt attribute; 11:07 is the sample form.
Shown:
12:37
